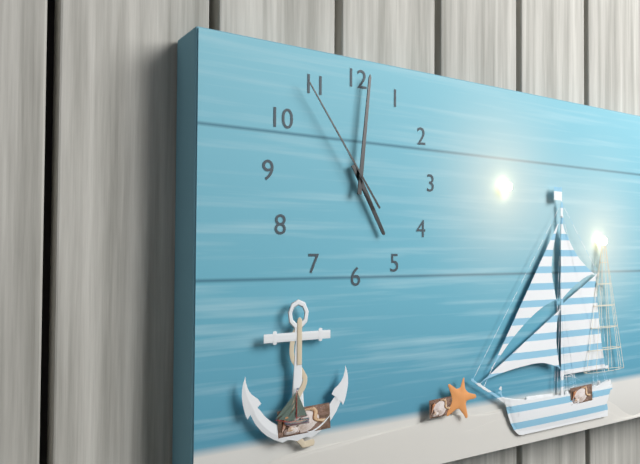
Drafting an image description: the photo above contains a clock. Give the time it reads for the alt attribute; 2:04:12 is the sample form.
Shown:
5:01:54
